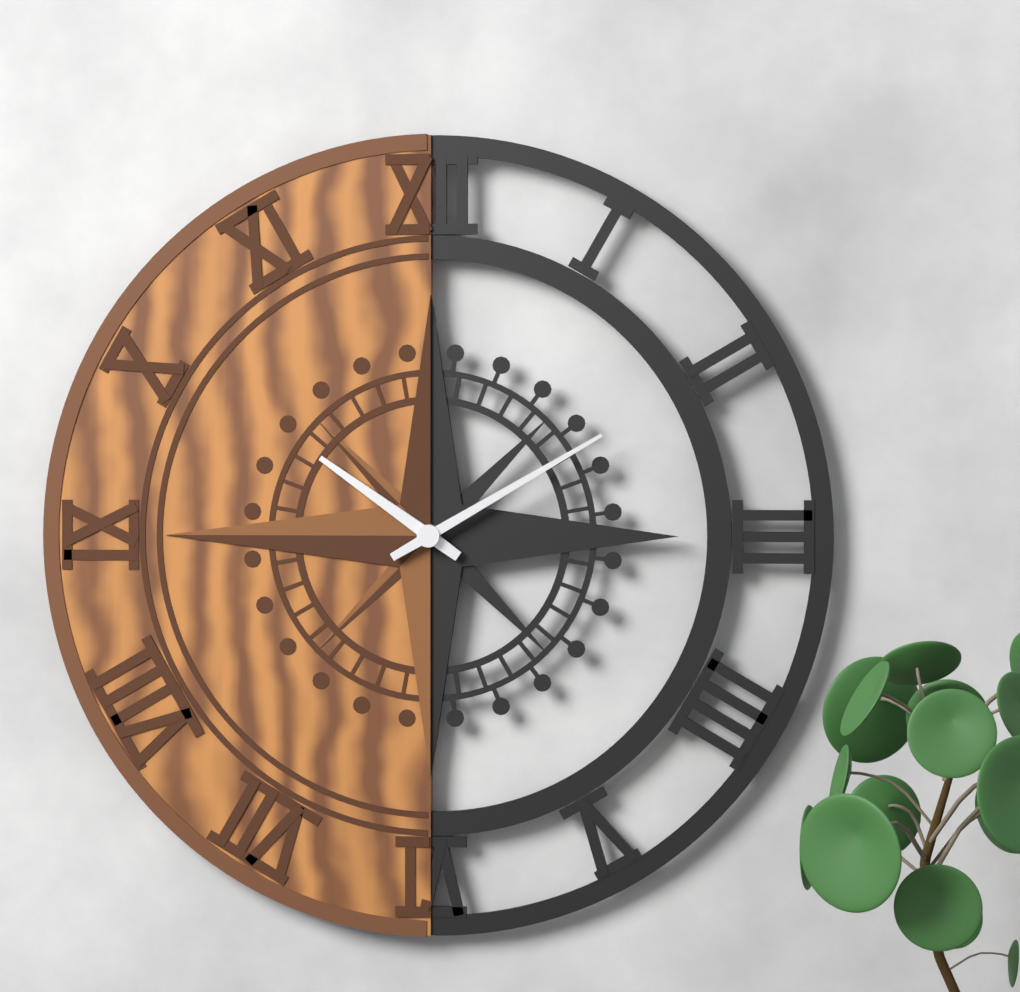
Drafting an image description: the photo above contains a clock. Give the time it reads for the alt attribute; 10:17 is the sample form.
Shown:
10:10
